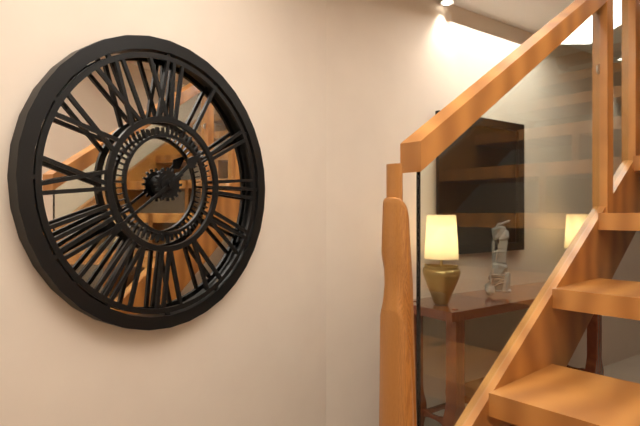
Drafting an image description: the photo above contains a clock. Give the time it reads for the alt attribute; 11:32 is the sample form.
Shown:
1:39
